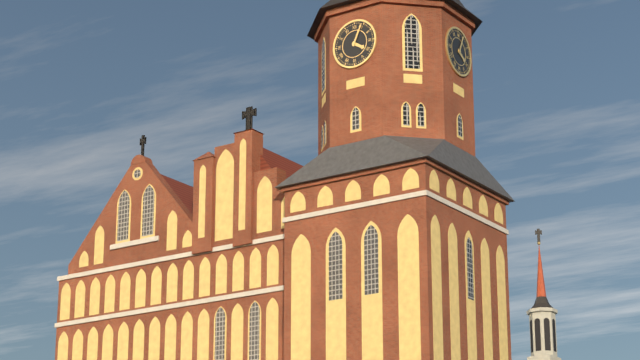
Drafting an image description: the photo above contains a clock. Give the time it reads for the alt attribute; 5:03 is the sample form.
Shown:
4:04
